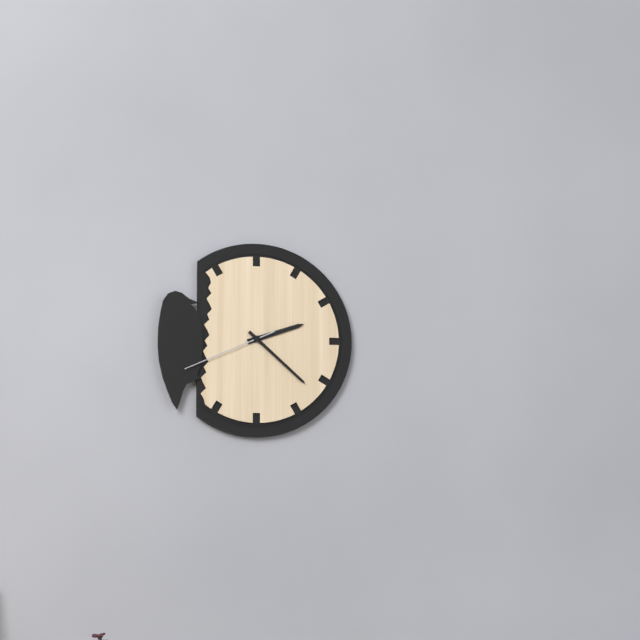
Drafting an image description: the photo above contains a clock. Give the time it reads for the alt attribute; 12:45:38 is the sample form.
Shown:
2:22:41
